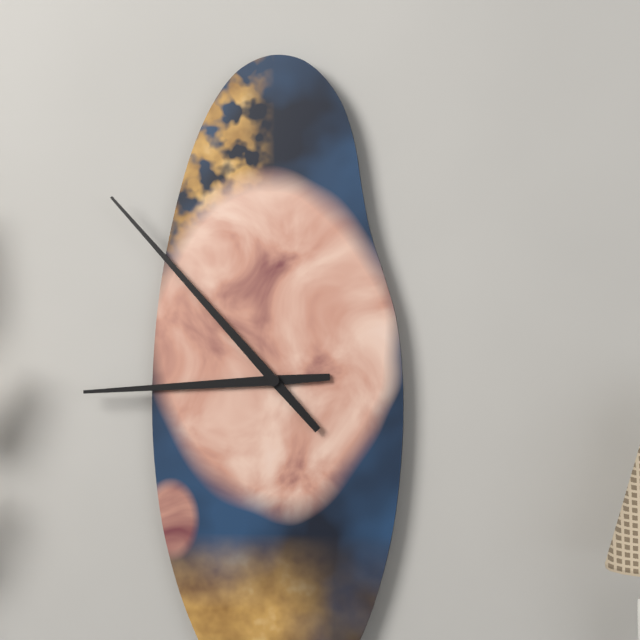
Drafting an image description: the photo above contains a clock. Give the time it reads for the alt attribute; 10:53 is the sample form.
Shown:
8:53
